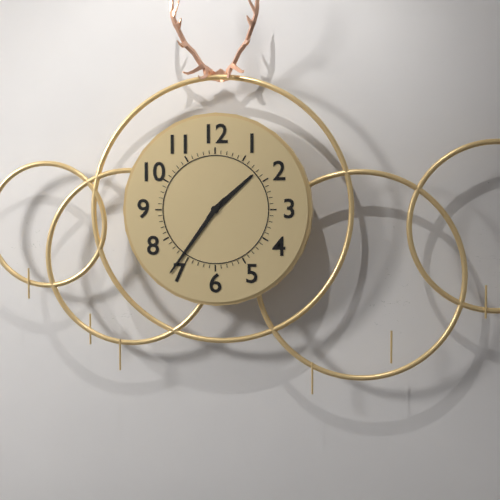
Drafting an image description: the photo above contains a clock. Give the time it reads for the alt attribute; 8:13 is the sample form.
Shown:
1:36
